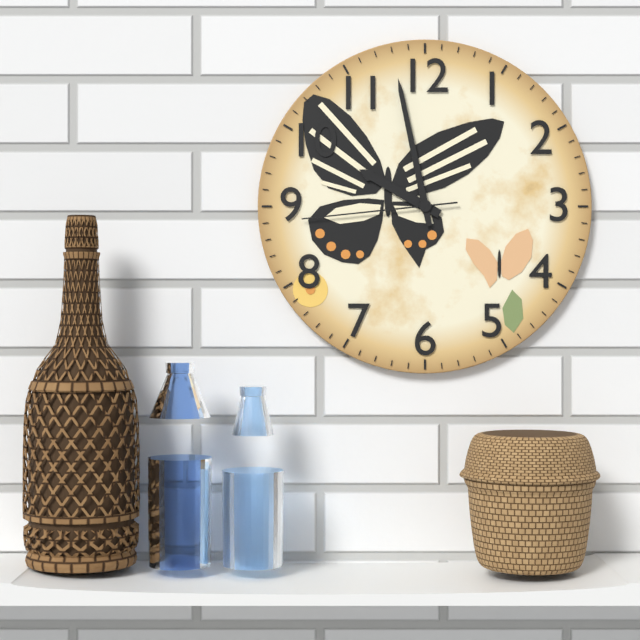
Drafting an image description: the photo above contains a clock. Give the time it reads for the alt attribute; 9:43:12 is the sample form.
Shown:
9:58:44
